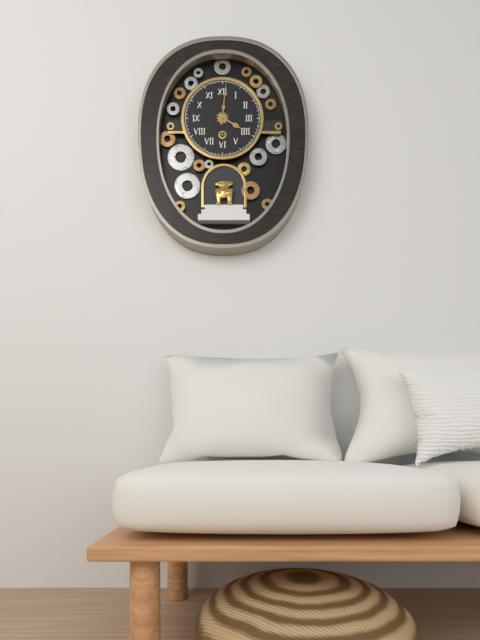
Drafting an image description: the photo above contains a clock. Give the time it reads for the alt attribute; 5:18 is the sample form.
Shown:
4:01
